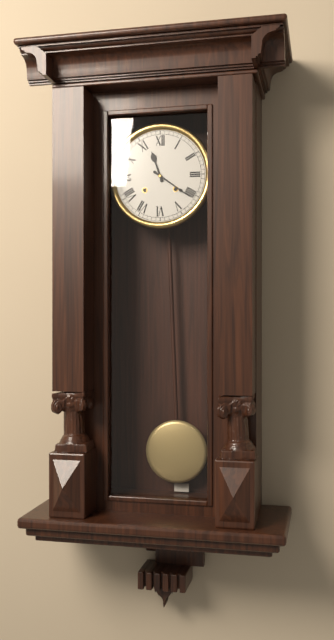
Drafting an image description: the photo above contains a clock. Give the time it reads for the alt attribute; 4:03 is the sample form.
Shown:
11:21
